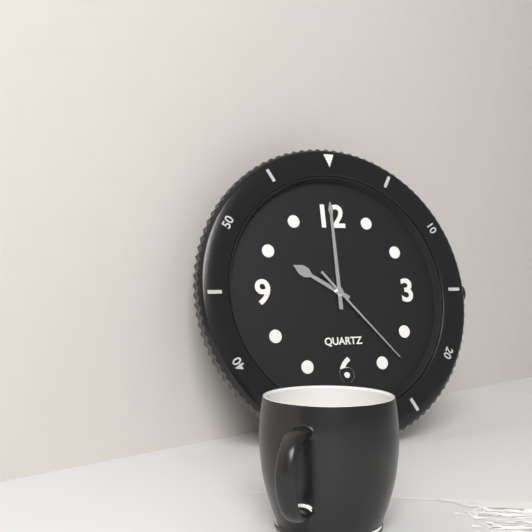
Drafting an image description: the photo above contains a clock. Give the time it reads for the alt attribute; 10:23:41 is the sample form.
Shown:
10:00:23
